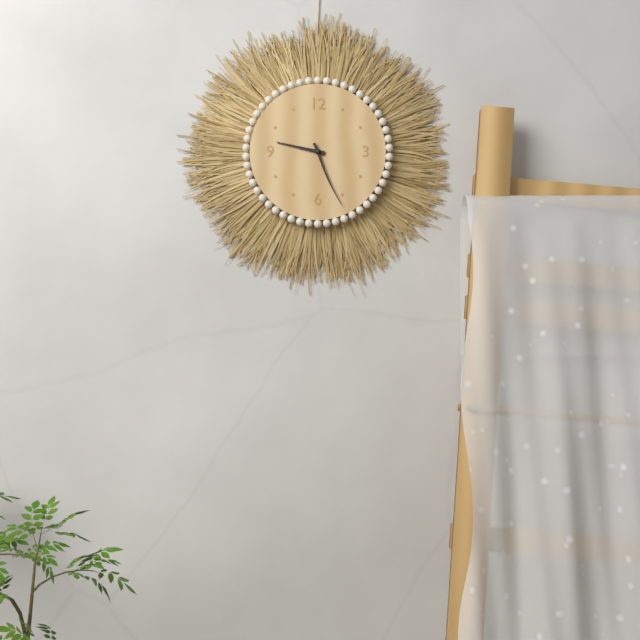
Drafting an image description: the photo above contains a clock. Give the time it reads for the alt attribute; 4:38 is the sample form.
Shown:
9:26
